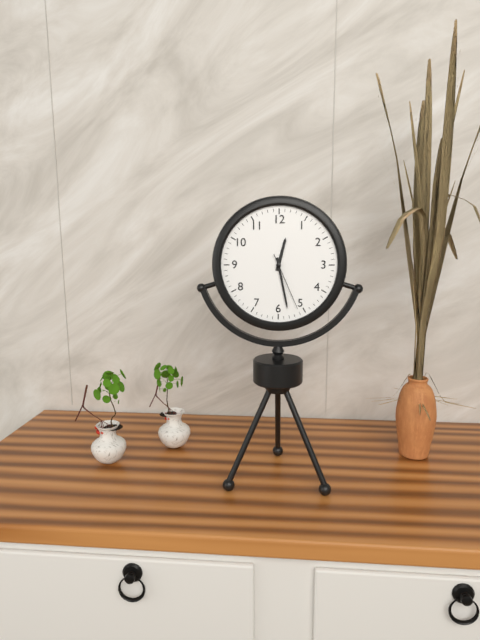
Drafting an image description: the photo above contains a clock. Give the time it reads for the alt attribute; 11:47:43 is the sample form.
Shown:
12:28:26
